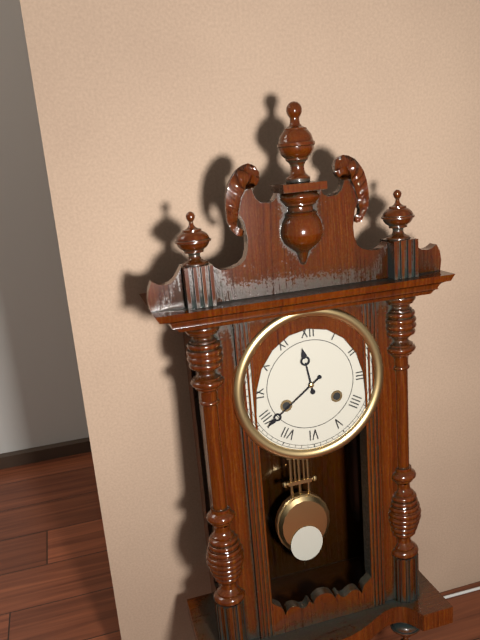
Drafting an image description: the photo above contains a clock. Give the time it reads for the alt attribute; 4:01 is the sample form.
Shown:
11:39
